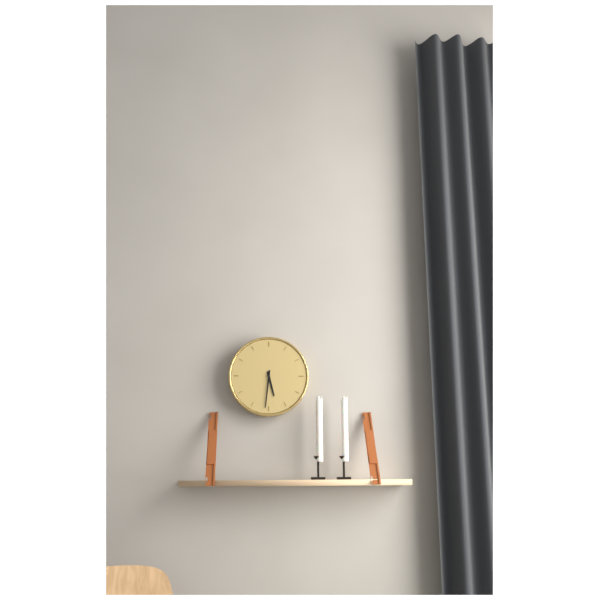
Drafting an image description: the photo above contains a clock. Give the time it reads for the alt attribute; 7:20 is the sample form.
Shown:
5:31
